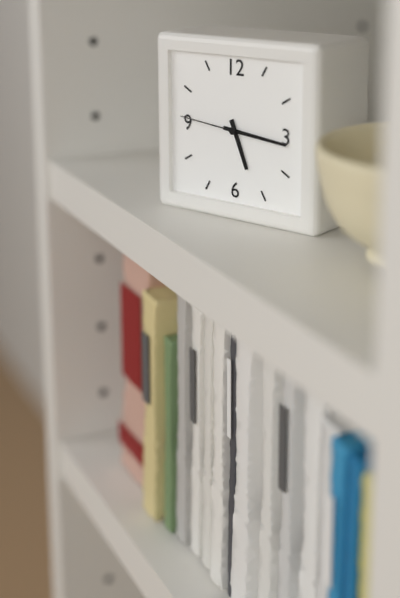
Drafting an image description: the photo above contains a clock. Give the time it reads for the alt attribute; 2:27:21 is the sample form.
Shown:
5:16:46
